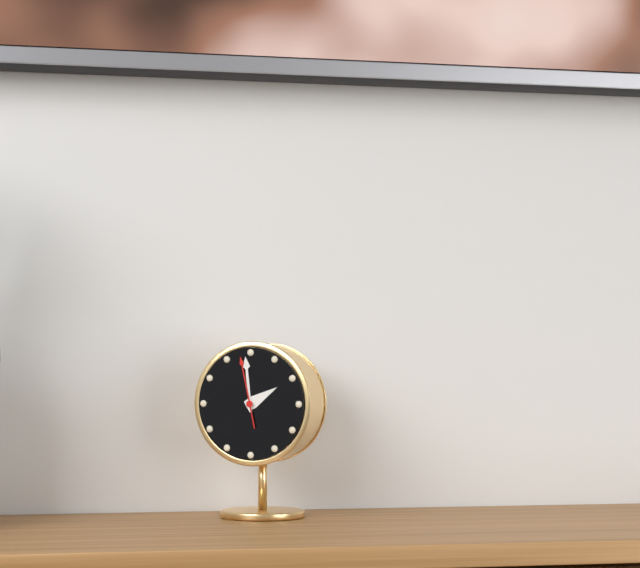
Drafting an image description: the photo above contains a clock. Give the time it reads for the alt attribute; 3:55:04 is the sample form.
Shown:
1:59:58
